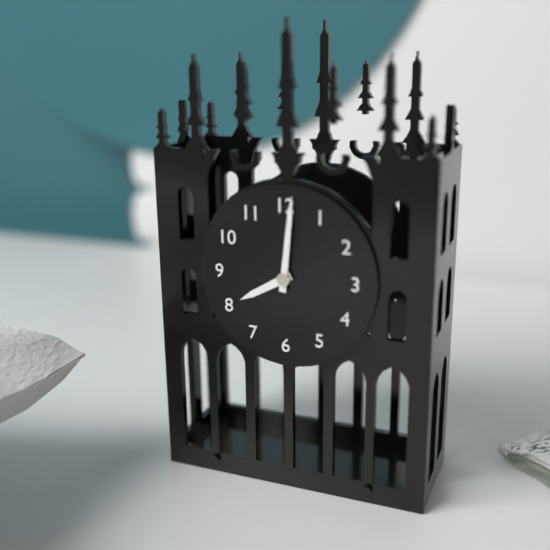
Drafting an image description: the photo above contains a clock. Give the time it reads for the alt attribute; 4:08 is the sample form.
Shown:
8:01
